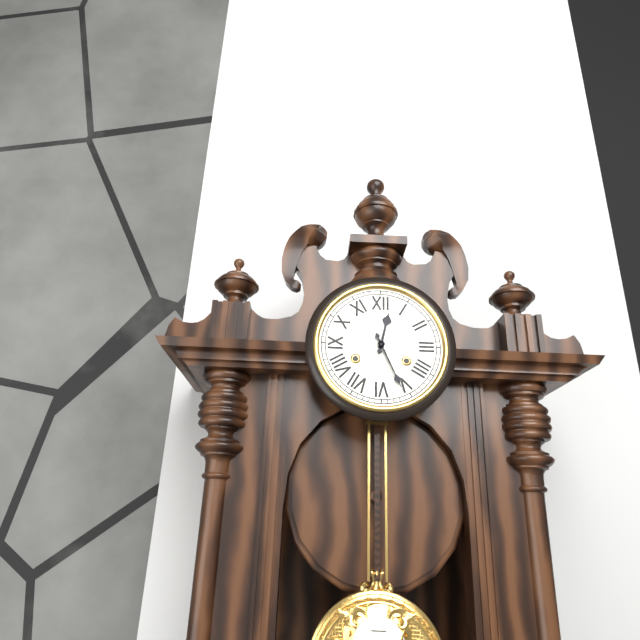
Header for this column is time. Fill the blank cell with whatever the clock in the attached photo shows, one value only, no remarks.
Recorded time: 12:26
